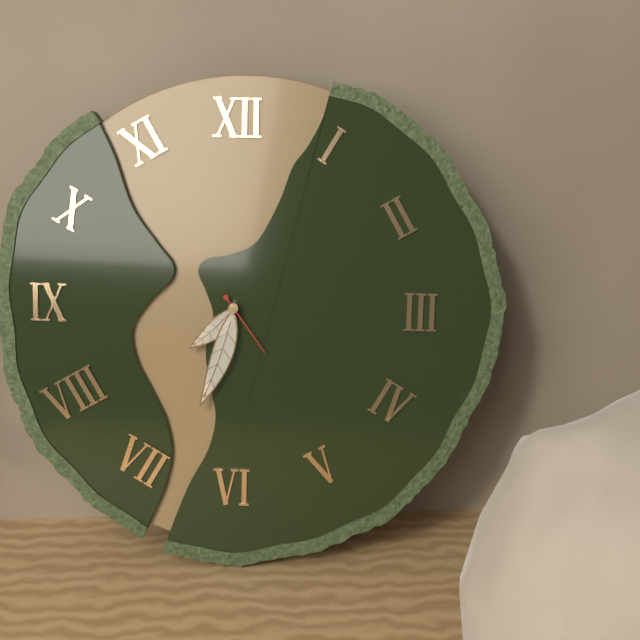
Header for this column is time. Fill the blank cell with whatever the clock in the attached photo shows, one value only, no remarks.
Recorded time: 7:33:24
